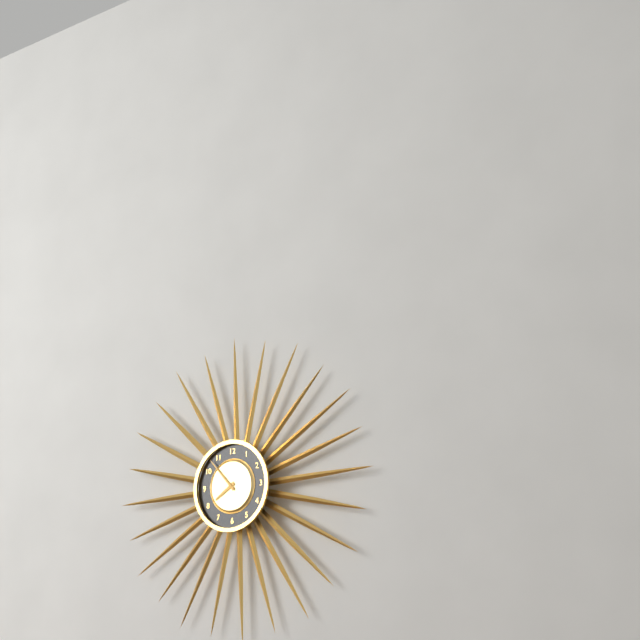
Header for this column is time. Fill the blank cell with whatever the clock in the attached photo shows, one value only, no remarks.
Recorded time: 7:53
